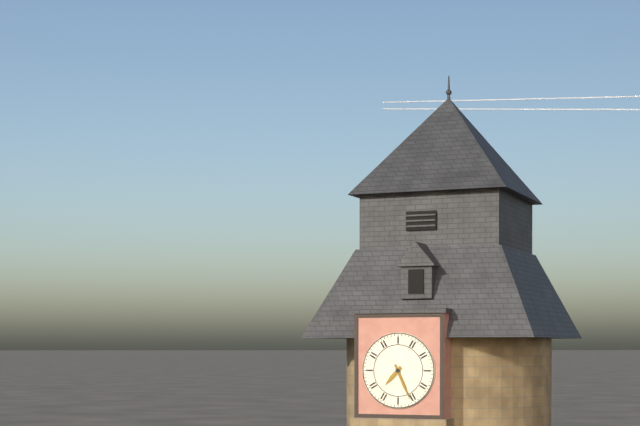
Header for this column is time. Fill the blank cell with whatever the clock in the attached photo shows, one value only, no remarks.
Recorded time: 7:26
